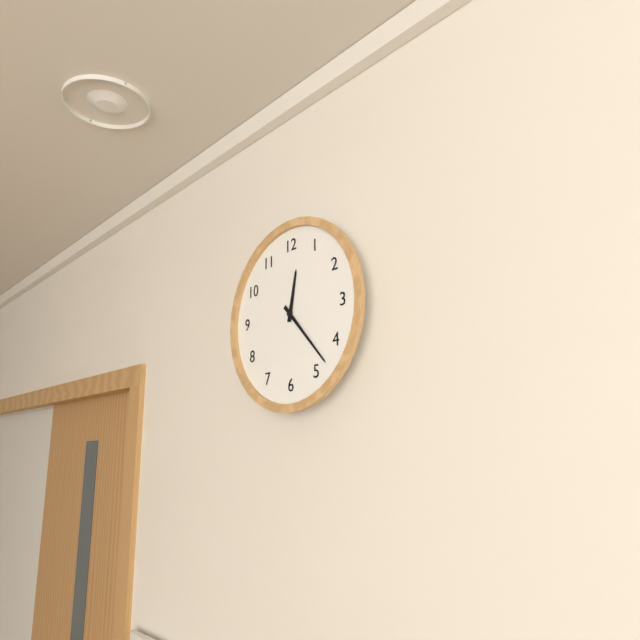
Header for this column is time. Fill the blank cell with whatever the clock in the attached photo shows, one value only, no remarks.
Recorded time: 12:23
